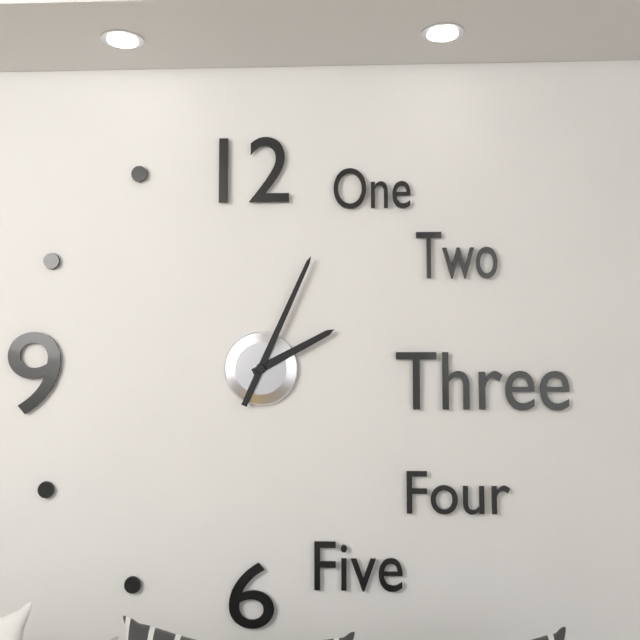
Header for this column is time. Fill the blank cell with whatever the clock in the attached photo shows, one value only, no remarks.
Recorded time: 2:04
